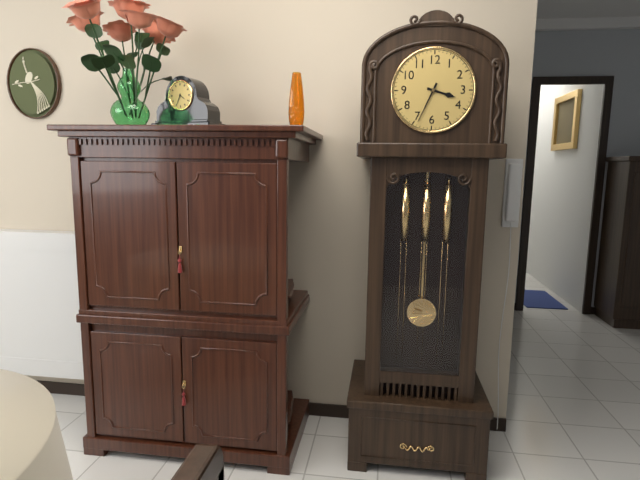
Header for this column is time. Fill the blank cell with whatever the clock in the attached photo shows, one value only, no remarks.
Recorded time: 3:34
